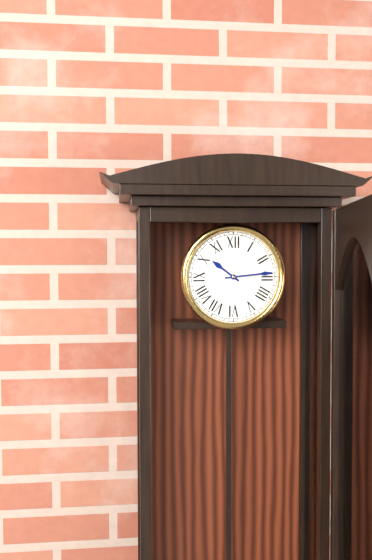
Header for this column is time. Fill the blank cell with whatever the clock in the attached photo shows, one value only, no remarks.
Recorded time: 10:14
